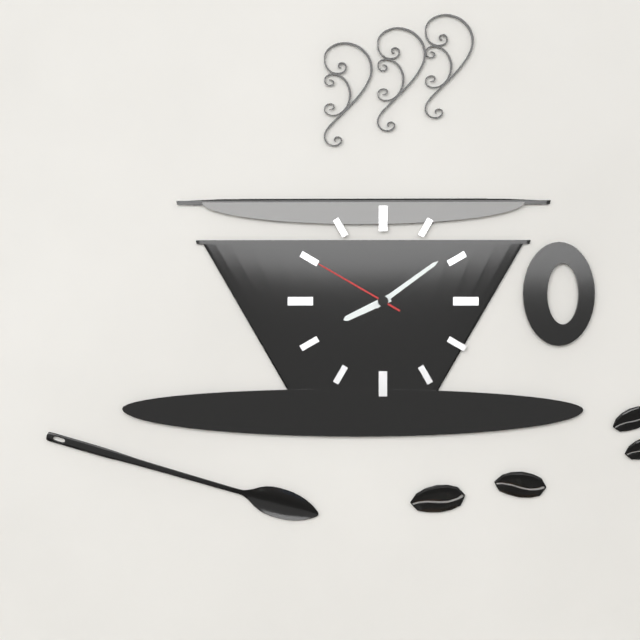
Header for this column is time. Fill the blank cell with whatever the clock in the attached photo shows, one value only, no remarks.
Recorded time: 8:09:50
